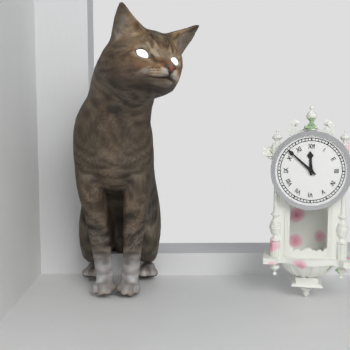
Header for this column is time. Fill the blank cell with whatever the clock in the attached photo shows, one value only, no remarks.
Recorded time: 11:52
